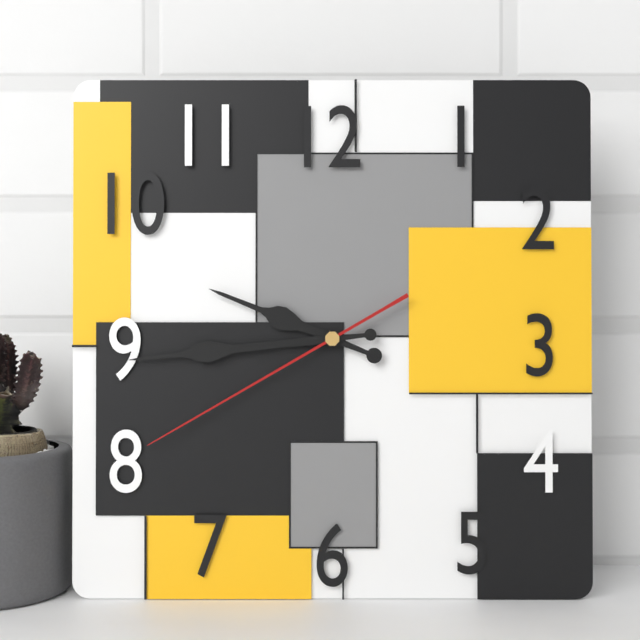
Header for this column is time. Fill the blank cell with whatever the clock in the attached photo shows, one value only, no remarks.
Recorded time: 9:44:40
